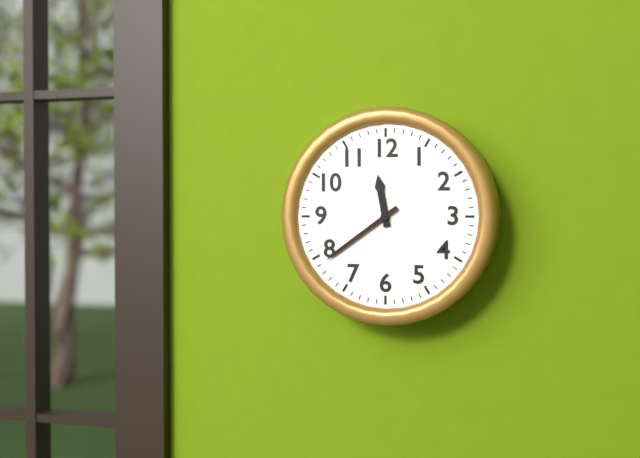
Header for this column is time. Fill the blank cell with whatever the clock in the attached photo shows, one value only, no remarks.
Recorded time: 11:39
